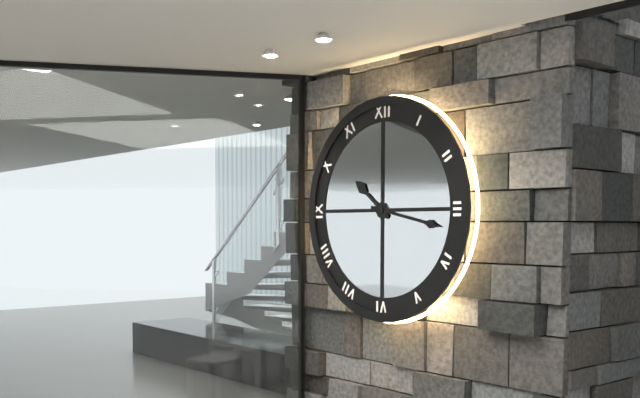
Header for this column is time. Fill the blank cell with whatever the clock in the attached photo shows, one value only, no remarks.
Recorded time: 10:17
